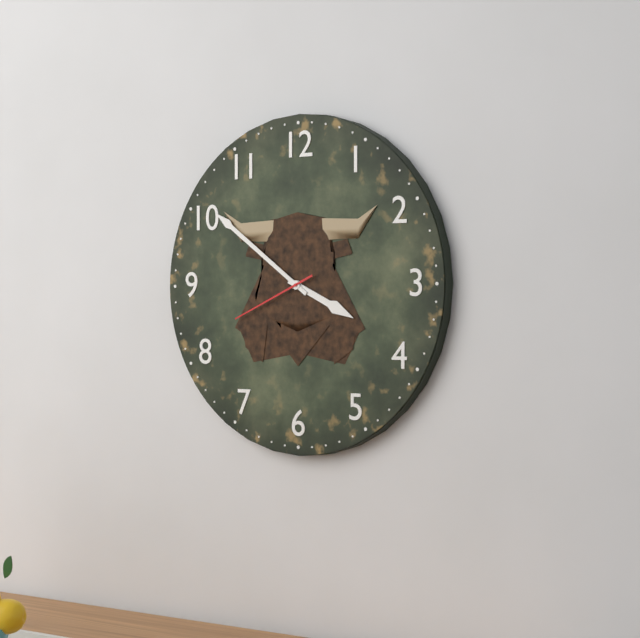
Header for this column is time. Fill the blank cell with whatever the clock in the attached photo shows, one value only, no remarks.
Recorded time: 3:51:41
